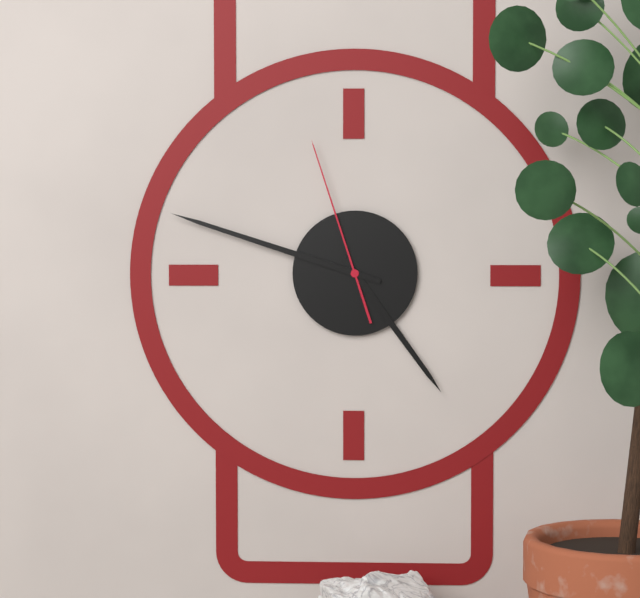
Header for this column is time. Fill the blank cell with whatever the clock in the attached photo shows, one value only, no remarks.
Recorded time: 4:48:57
